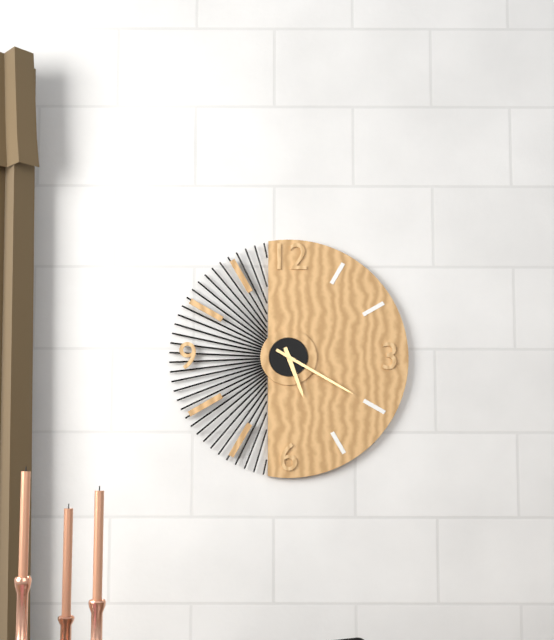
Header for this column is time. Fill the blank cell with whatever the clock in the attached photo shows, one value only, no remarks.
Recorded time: 5:20
